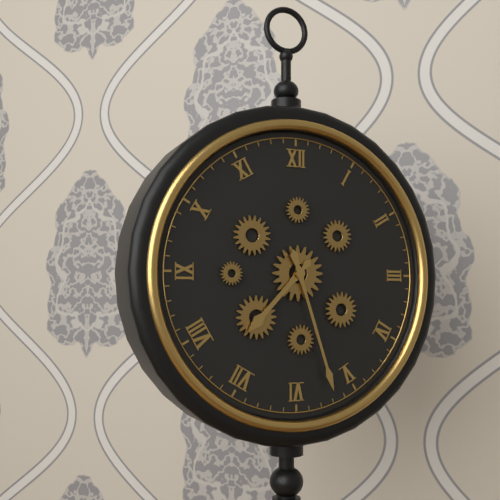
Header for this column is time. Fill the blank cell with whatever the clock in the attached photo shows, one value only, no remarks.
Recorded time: 7:27
